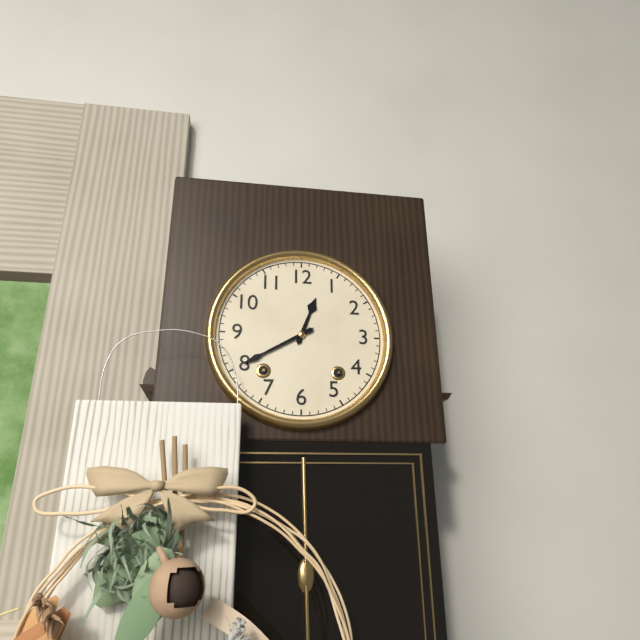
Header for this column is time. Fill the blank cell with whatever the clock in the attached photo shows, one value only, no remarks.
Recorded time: 12:40
